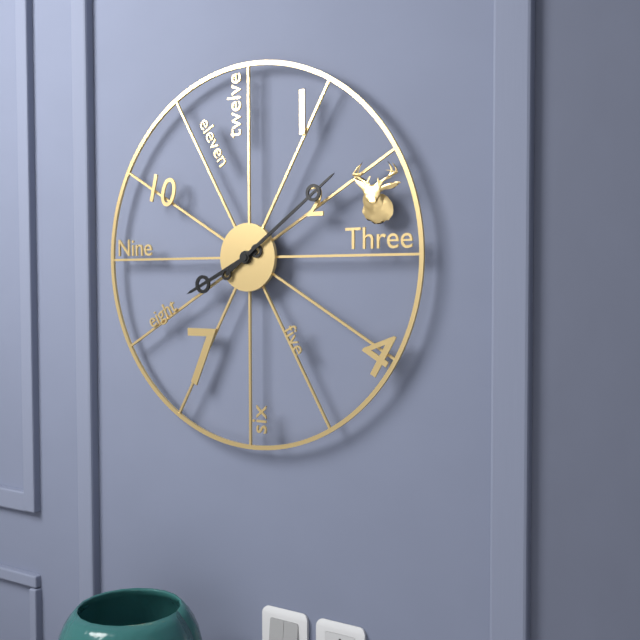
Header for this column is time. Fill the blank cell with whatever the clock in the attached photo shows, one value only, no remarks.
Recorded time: 8:09
